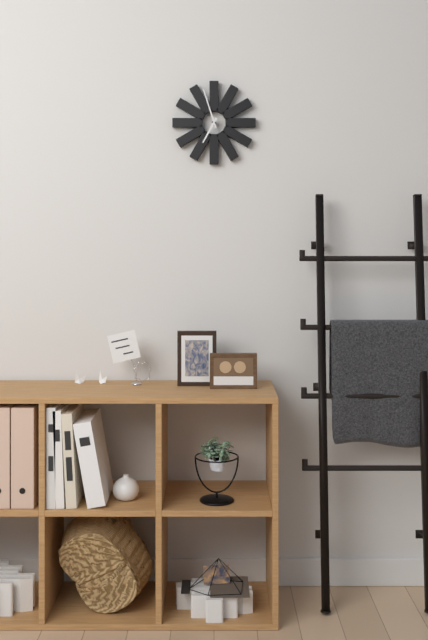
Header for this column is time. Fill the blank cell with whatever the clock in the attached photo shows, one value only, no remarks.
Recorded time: 6:57
